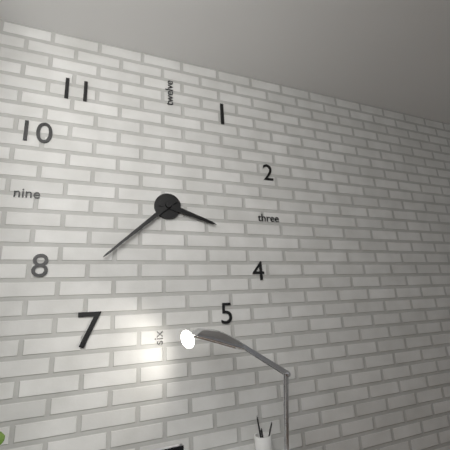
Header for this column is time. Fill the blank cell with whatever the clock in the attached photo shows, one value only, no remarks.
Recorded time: 3:38
